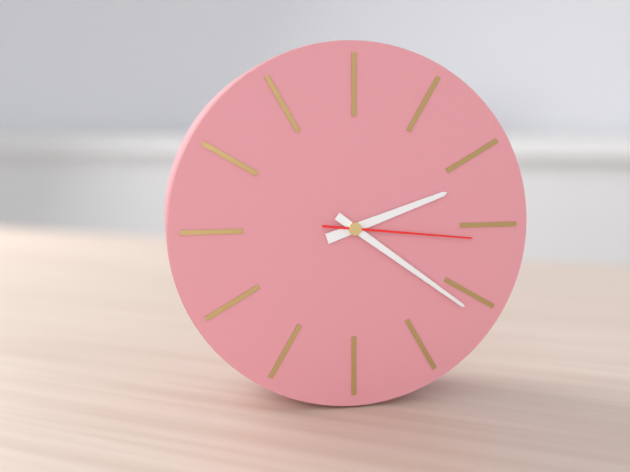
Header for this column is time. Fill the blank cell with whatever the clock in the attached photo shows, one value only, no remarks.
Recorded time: 2:21:16
